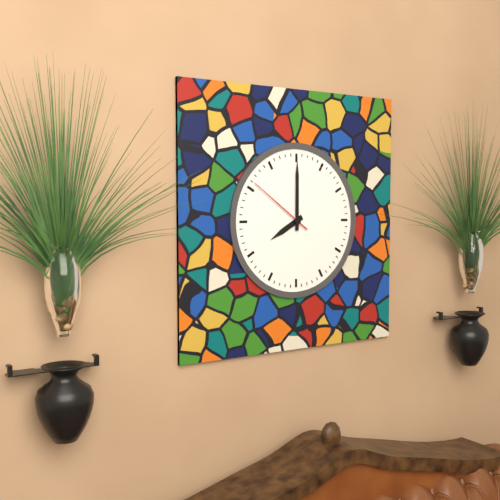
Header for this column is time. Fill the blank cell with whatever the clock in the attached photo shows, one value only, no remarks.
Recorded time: 8:00:51
